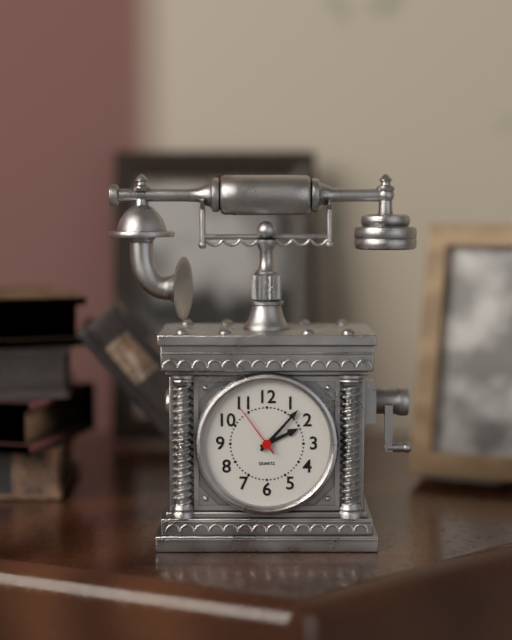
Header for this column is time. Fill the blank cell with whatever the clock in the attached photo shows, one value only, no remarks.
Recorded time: 2:07:54
